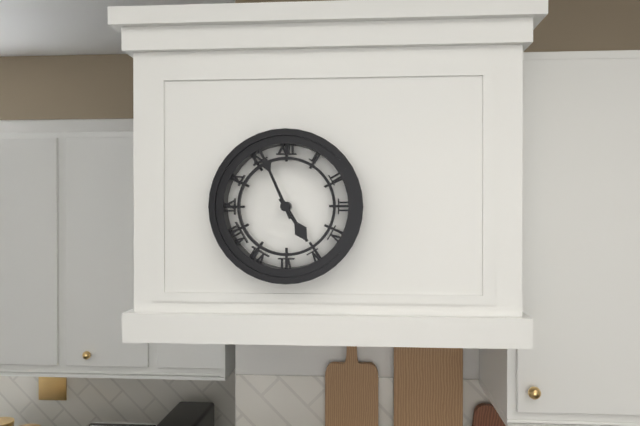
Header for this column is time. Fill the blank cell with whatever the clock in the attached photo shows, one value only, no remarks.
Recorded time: 4:56
